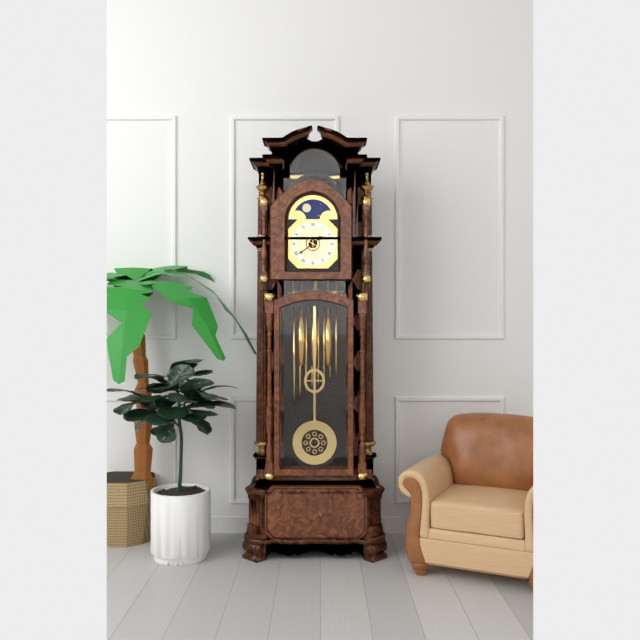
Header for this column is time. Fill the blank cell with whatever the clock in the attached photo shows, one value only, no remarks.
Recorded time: 1:39
